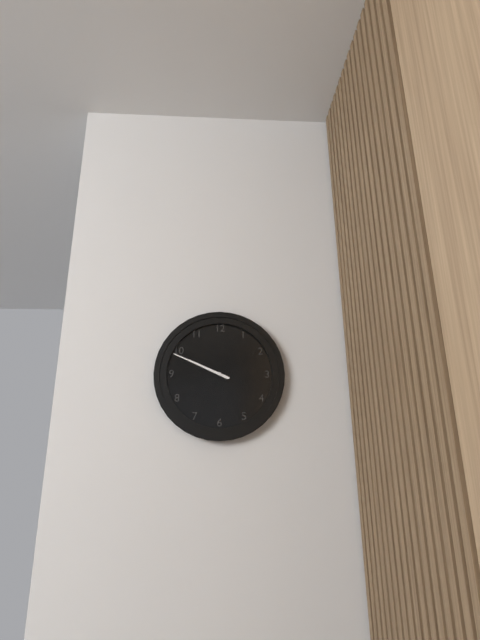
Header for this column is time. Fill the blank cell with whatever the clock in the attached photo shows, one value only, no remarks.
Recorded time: 9:49
